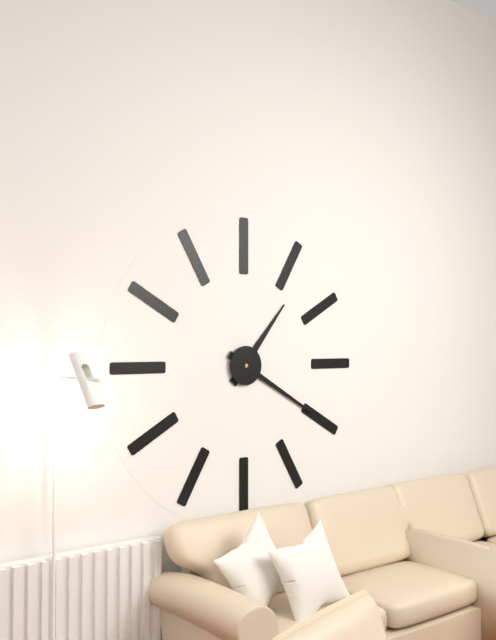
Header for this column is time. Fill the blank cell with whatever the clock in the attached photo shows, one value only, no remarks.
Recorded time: 1:20
